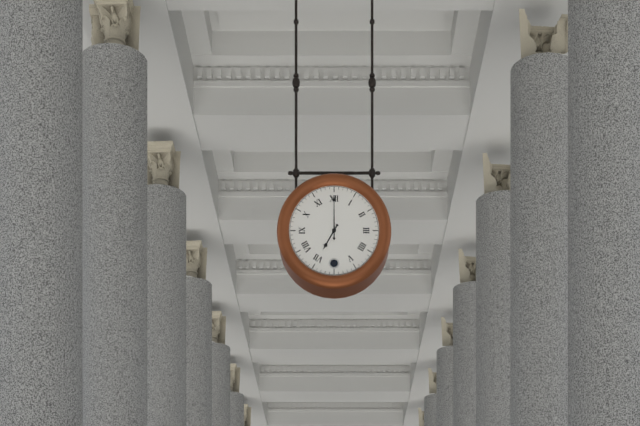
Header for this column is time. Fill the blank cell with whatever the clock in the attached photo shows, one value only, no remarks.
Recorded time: 7:00
